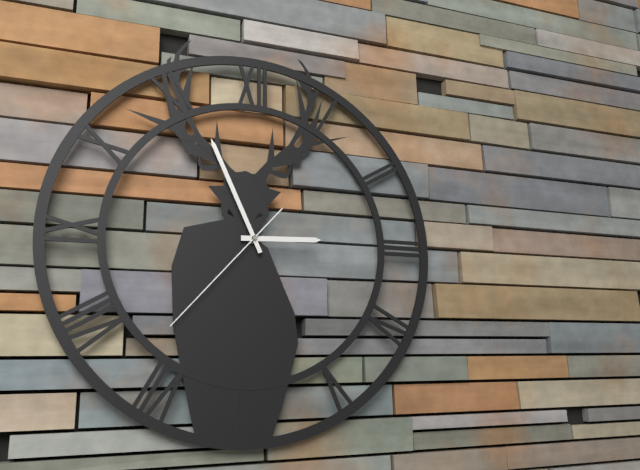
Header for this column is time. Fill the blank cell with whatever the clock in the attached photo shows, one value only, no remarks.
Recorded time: 2:56:37
